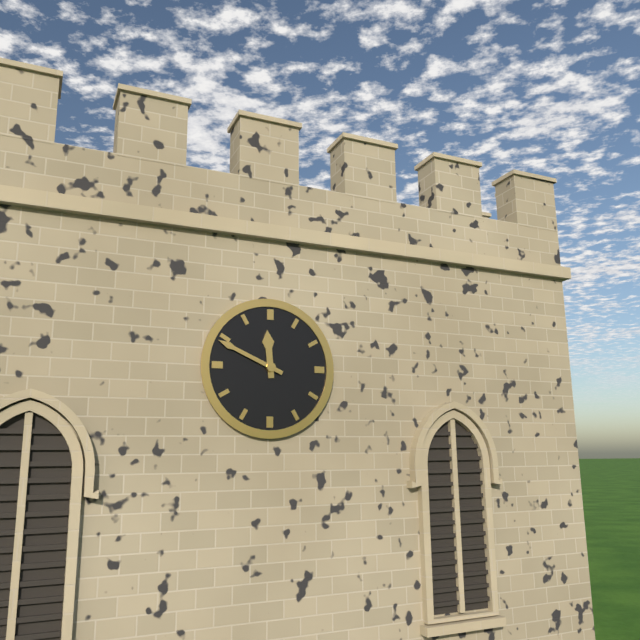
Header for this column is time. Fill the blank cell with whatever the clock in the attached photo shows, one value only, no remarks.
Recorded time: 11:49
